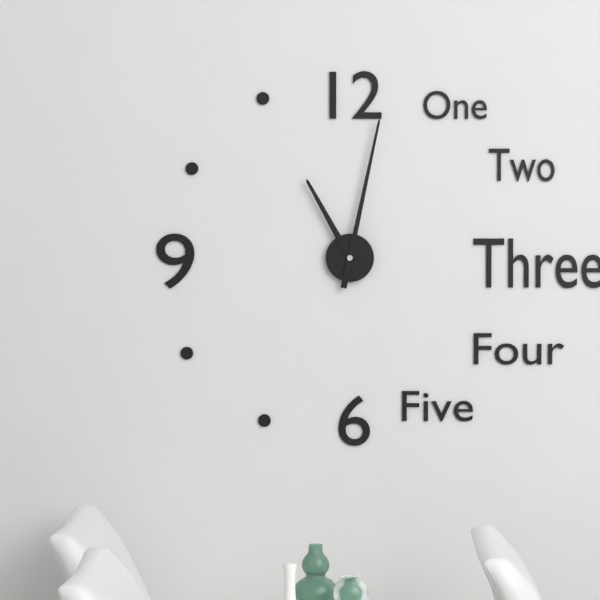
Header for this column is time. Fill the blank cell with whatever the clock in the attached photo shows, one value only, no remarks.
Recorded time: 11:02
